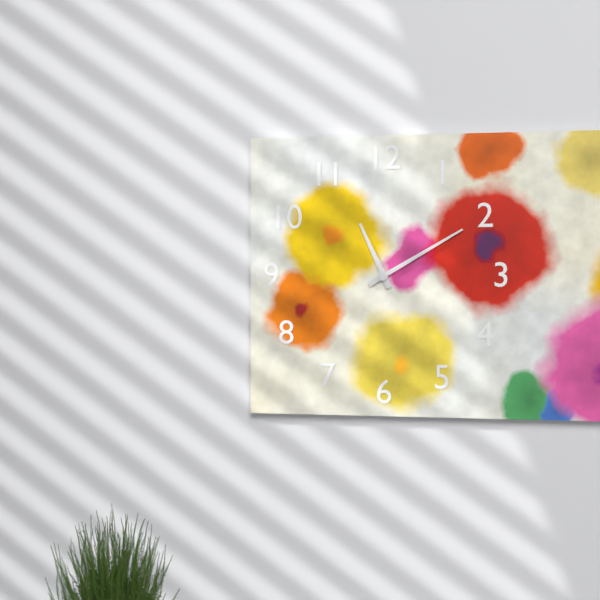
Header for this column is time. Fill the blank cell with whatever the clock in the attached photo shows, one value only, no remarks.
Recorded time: 11:10
